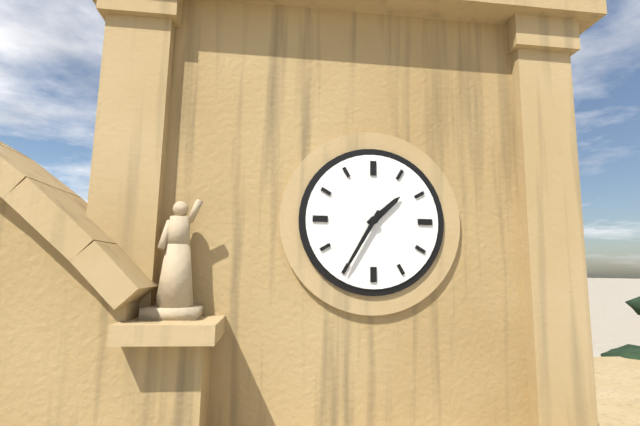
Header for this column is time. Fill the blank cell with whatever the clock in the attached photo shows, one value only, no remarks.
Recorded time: 1:35
